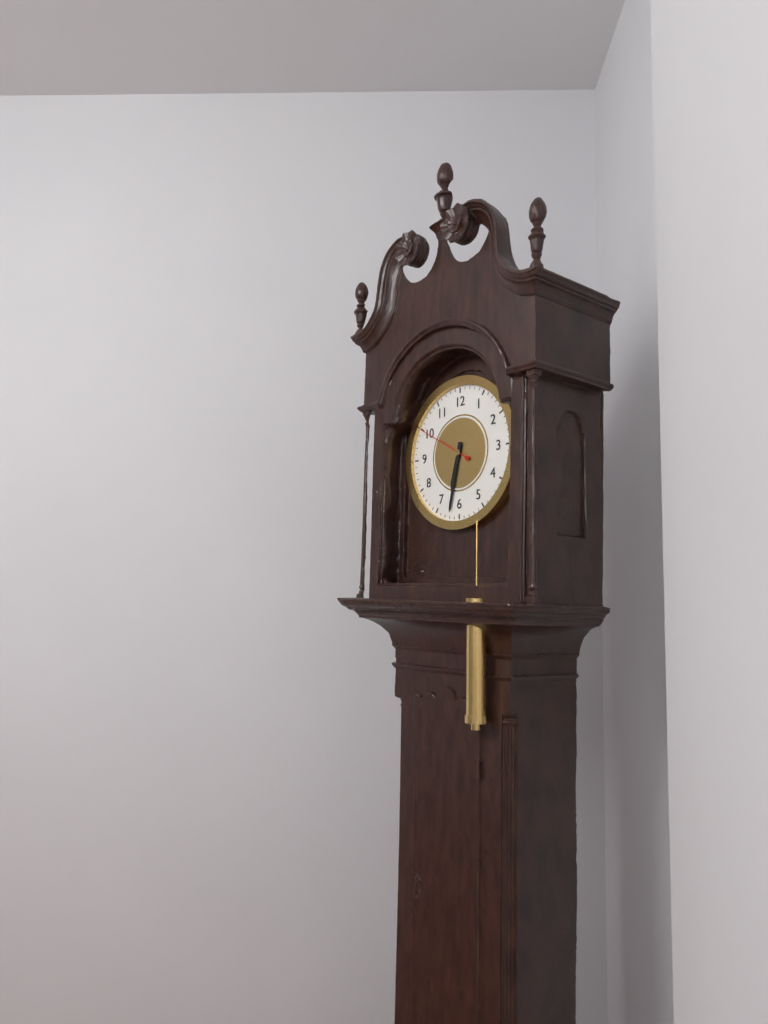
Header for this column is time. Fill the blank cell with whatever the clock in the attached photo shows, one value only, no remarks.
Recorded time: 6:32:50
